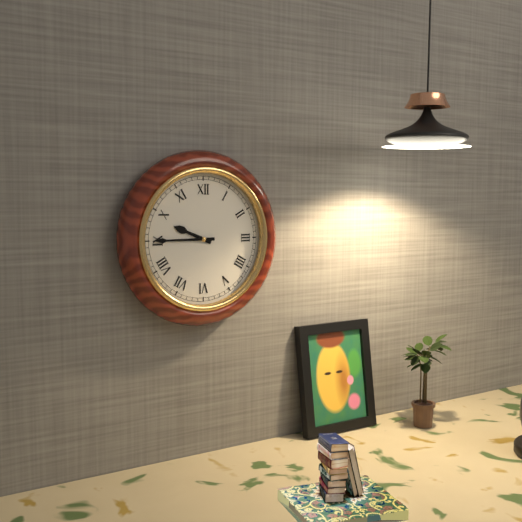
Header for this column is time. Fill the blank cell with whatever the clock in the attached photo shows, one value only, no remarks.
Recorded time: 9:45
